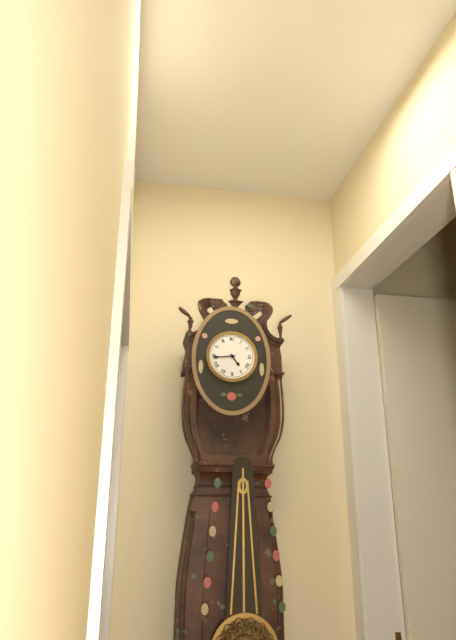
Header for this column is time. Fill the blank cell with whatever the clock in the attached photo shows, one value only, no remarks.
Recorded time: 4:44
